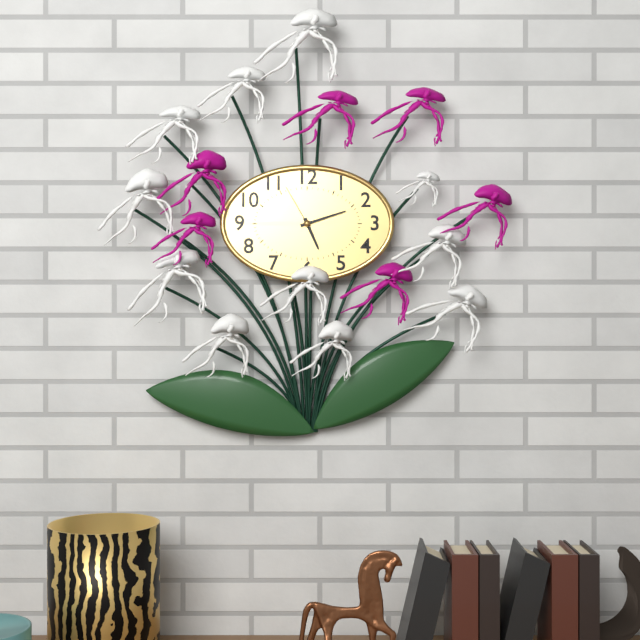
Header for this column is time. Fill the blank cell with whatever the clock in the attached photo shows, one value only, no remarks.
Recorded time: 5:12:55
